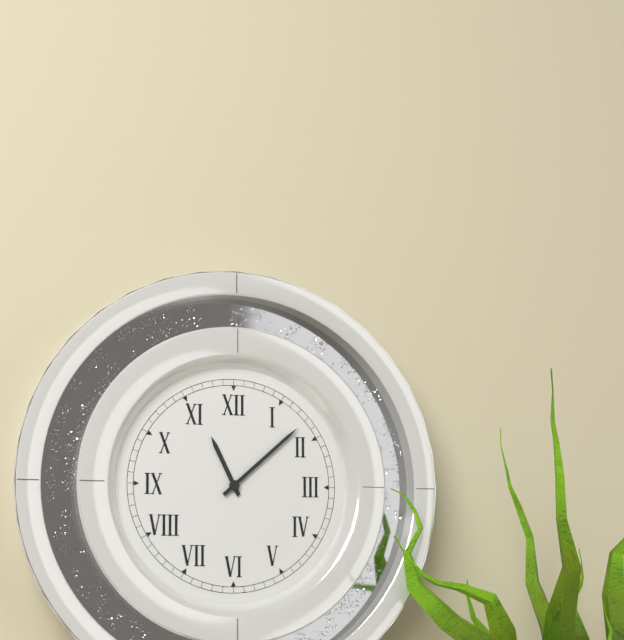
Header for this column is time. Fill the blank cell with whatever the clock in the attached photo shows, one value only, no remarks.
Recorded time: 11:08
